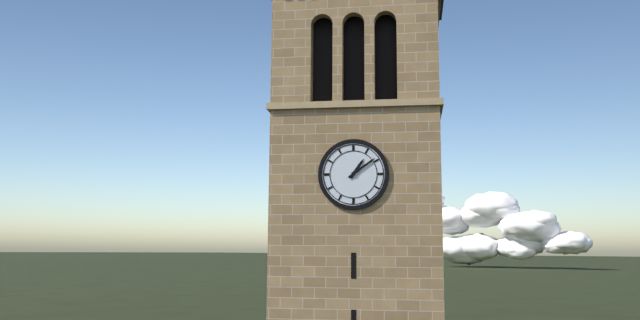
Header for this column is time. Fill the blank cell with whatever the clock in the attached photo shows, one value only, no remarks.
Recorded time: 1:09
